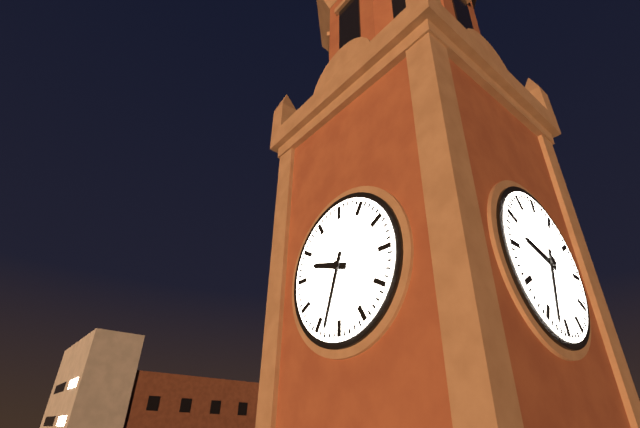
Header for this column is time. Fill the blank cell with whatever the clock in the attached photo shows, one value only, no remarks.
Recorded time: 9:33
